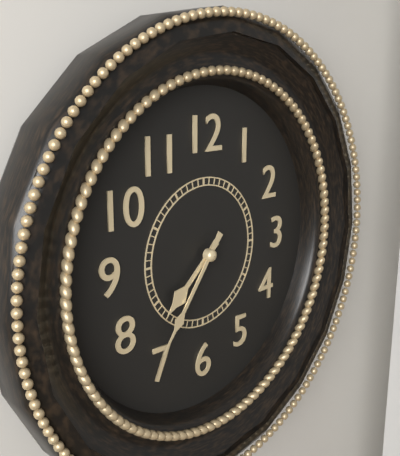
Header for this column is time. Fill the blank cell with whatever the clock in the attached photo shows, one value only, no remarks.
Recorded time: 7:36
